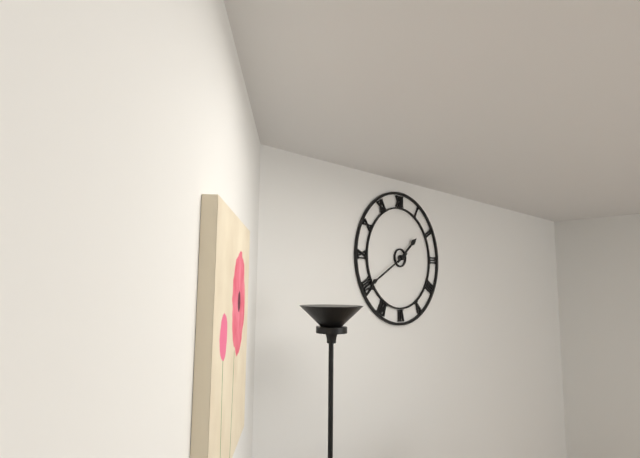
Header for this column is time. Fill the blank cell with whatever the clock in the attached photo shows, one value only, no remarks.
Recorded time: 1:40
